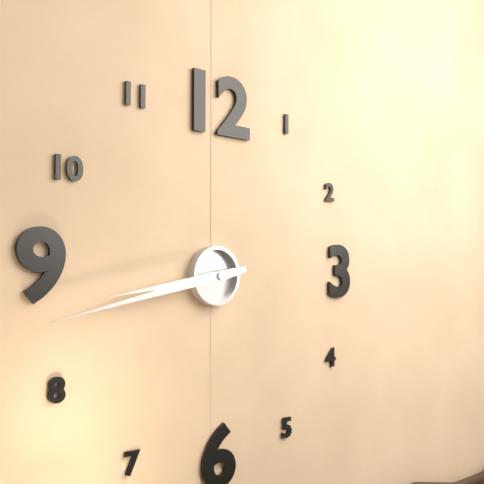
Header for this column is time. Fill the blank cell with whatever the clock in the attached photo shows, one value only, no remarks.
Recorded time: 8:43
